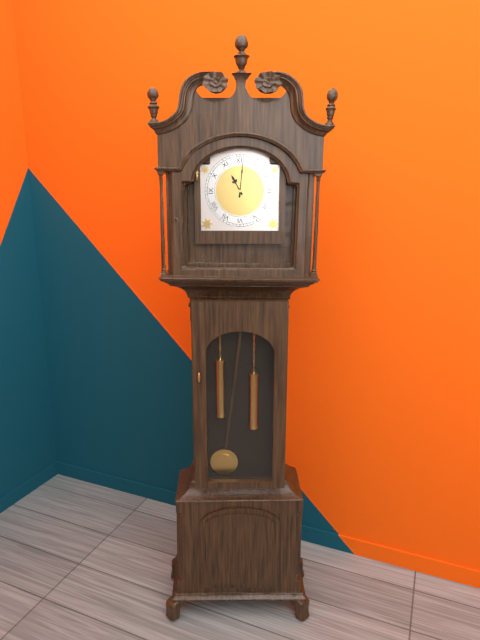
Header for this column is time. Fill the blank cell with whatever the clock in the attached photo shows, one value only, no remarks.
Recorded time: 11:01
